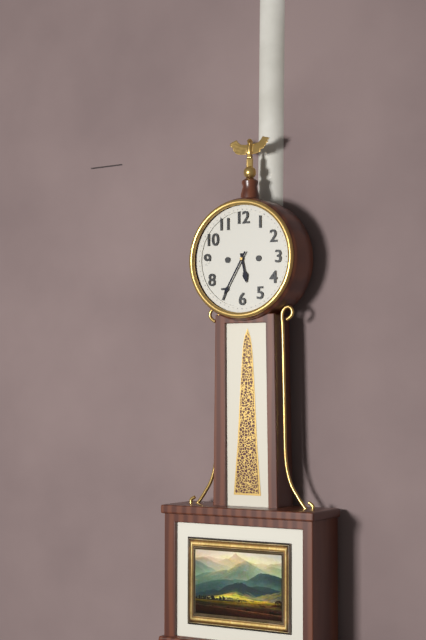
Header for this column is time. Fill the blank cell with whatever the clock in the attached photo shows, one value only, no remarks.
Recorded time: 5:35
